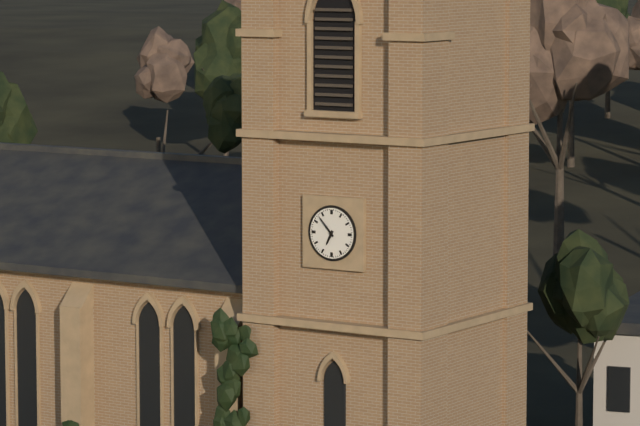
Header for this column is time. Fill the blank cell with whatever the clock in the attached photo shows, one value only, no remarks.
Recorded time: 6:53
